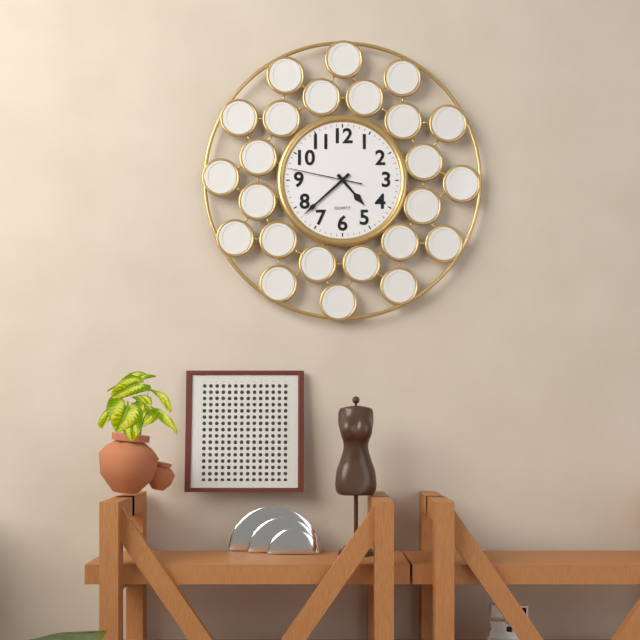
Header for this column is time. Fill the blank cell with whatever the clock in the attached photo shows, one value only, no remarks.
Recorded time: 4:38:47
